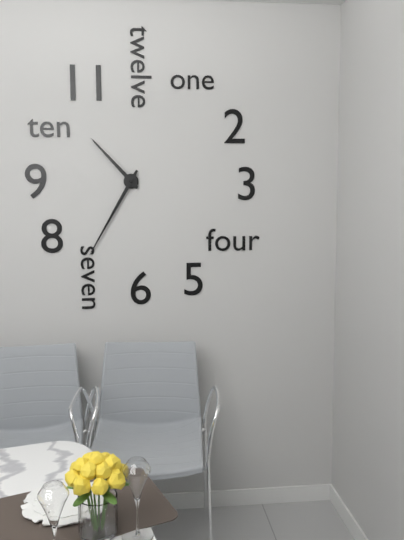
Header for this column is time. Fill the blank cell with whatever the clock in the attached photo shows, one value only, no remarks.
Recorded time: 10:35
